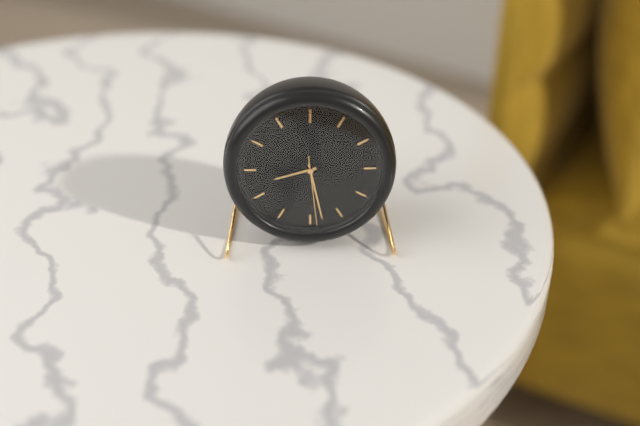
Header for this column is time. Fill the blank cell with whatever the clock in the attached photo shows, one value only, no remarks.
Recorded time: 8:28:29
